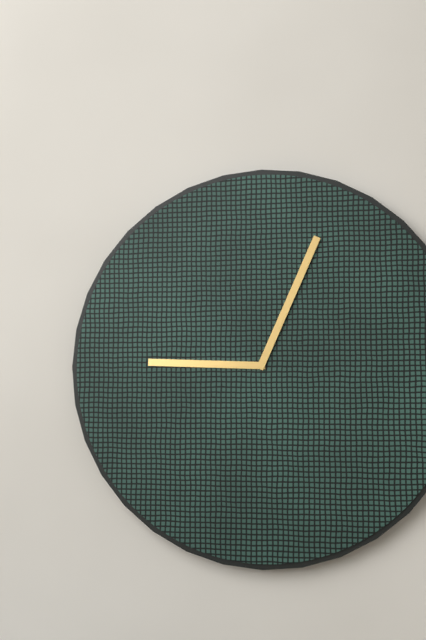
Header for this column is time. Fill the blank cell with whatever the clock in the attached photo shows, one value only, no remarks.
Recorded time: 9:04
